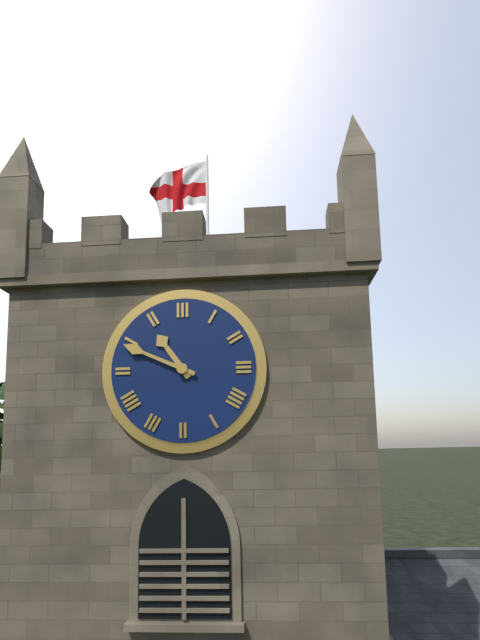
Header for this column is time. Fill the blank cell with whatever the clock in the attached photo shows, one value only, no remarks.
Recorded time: 10:49
